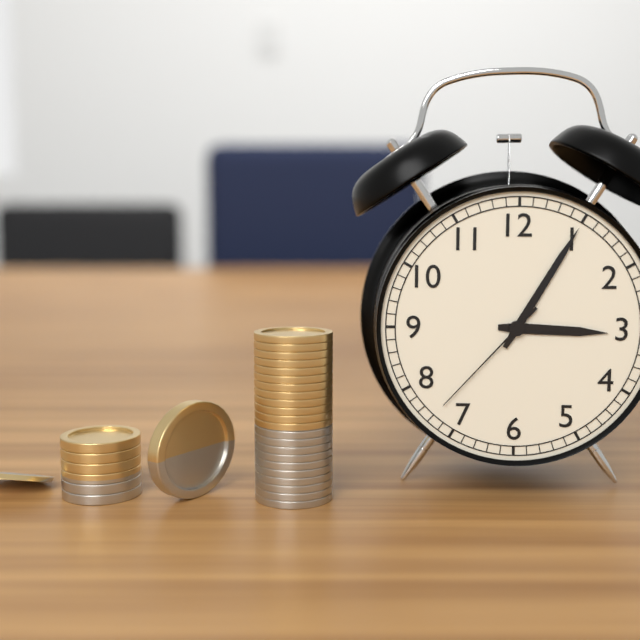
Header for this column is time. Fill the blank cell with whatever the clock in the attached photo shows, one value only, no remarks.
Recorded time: 3:05:37
